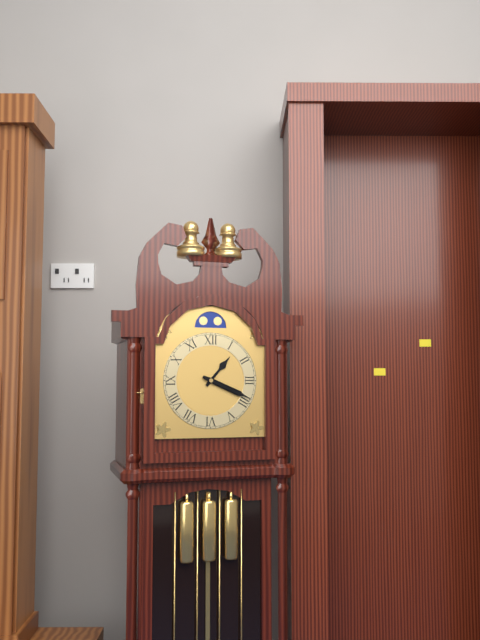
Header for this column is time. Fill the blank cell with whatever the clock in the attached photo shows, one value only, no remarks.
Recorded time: 1:19
